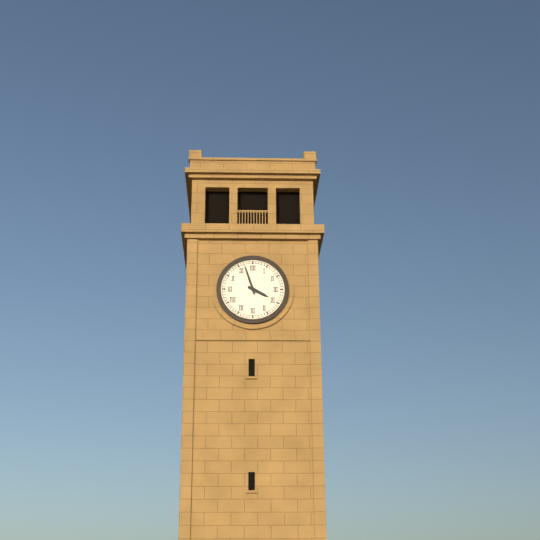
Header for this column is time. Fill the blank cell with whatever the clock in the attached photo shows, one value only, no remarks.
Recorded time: 3:57
